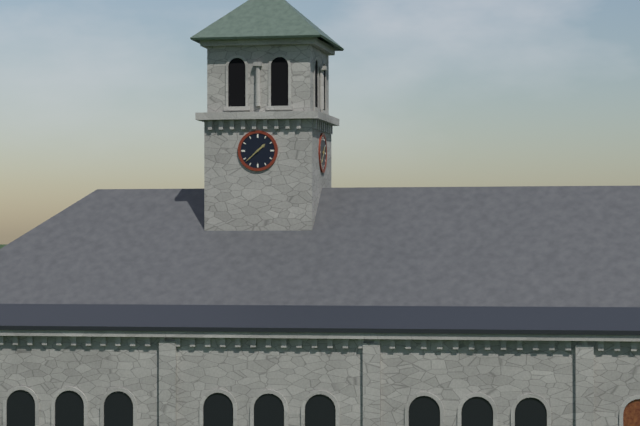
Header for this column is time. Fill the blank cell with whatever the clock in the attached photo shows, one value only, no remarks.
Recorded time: 1:38
